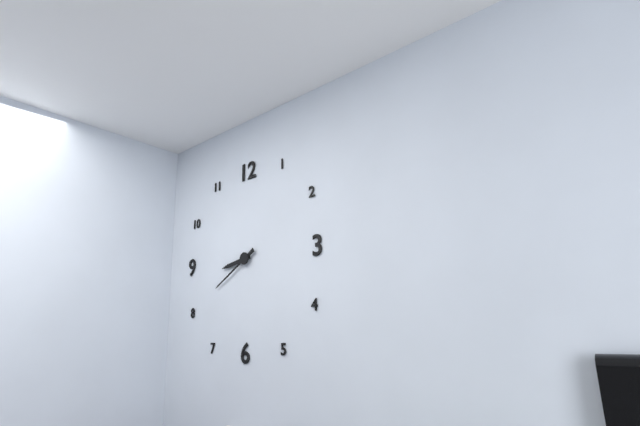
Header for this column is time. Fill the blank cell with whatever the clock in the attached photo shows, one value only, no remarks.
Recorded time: 8:40
